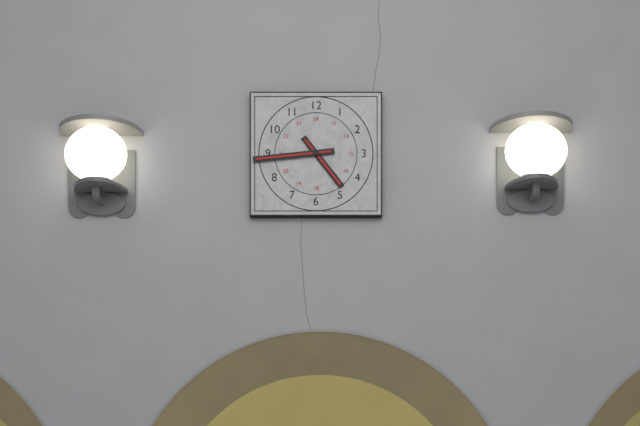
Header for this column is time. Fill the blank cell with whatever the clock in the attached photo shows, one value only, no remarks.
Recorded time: 4:44
